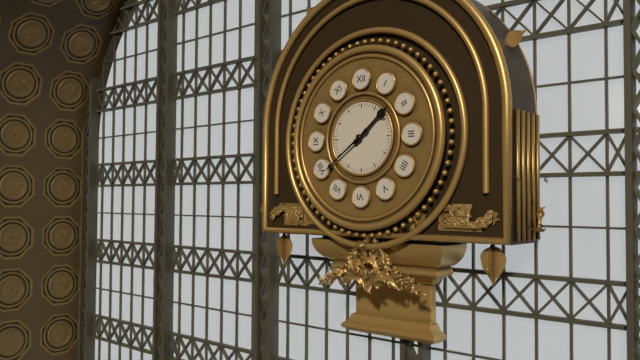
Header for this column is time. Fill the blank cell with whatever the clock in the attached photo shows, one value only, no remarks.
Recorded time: 1:39
